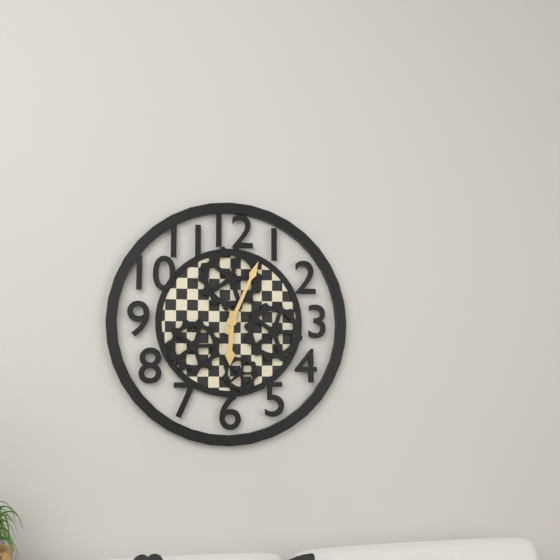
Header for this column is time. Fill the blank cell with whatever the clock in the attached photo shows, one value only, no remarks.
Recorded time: 6:04
